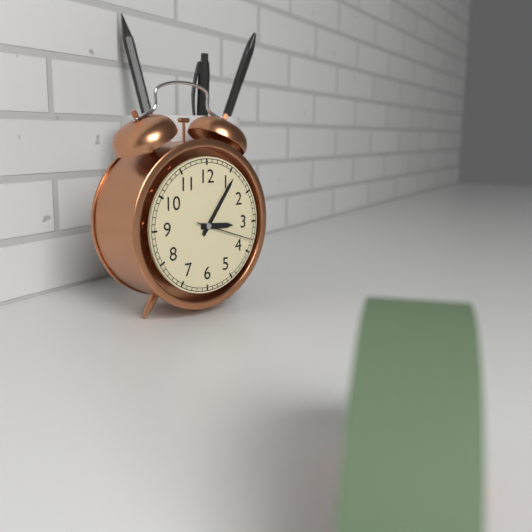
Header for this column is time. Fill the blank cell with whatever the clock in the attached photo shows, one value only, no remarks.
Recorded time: 3:06:18
